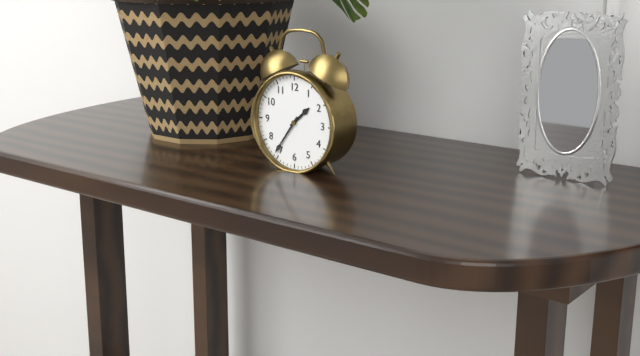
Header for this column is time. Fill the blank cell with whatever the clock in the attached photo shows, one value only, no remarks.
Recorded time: 1:36
